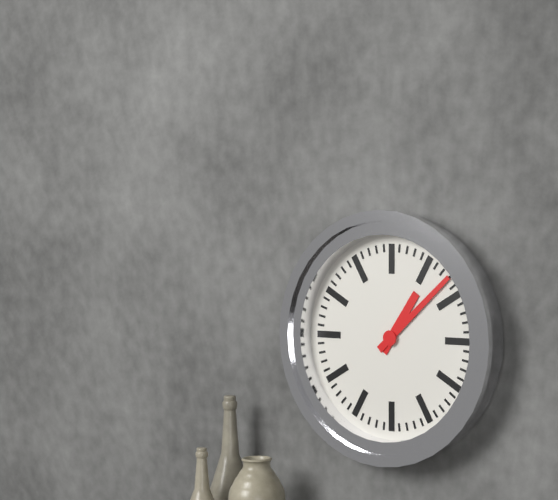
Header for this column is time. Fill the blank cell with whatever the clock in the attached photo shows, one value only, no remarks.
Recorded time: 1:08
